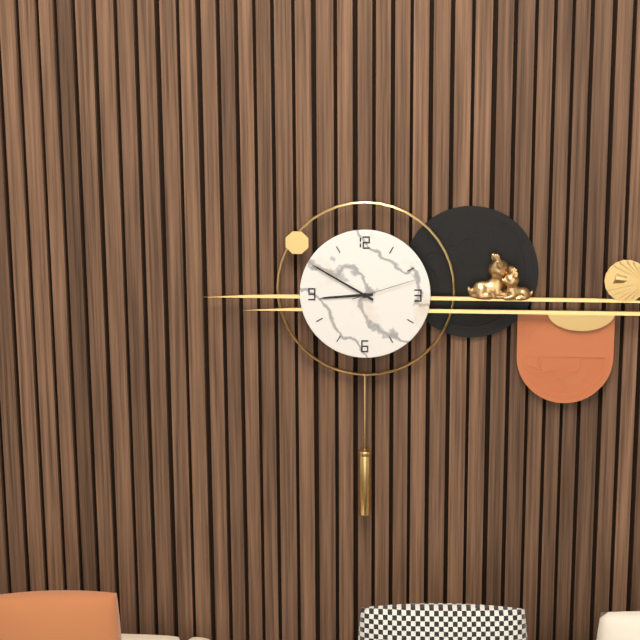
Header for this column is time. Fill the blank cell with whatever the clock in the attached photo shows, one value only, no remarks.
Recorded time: 8:50:12
